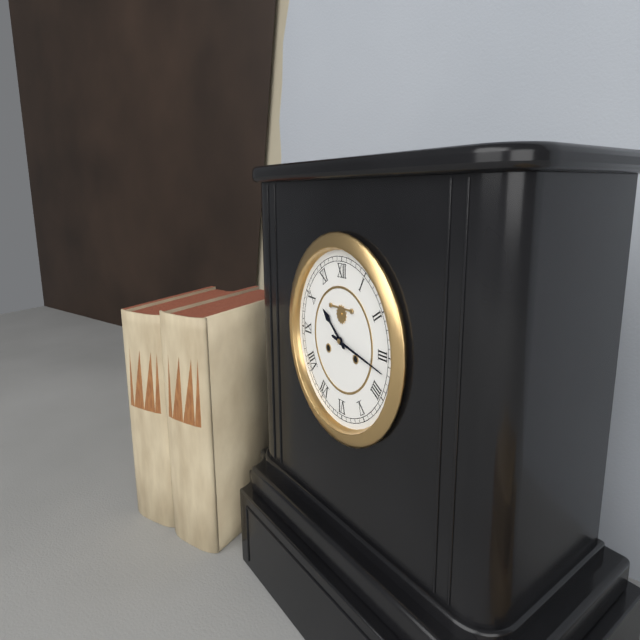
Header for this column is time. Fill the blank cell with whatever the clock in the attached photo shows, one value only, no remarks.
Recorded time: 10:17
